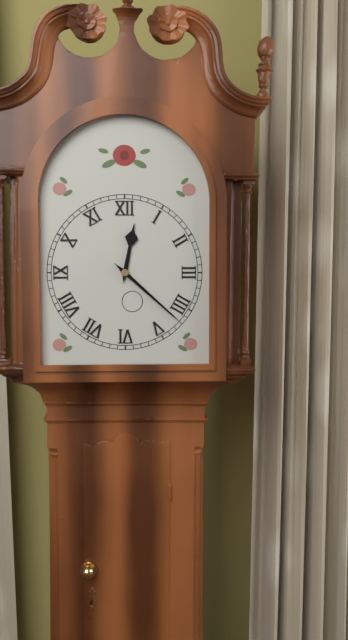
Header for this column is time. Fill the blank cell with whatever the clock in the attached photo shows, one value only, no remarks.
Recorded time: 12:22
